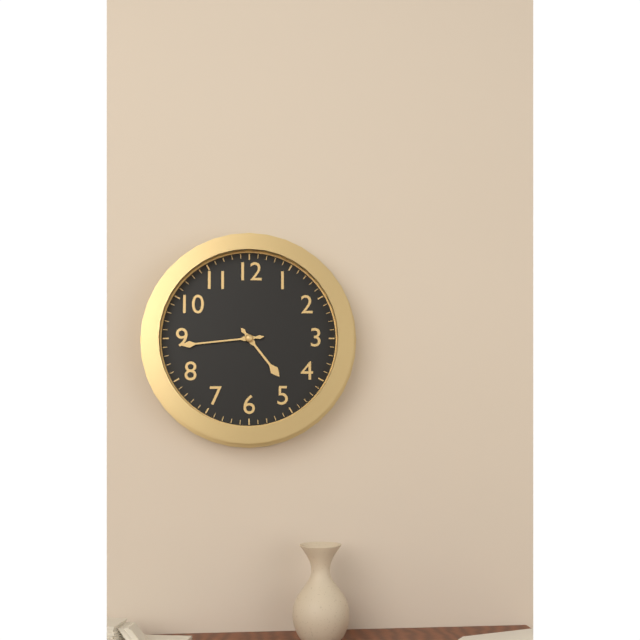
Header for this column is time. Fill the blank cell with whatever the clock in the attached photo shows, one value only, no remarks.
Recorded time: 4:44
